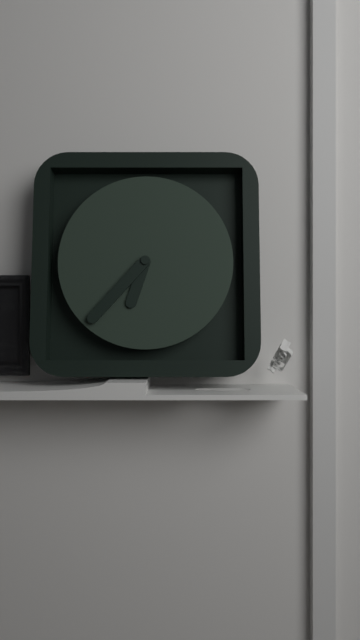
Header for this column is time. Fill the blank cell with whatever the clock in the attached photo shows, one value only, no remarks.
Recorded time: 6:37
